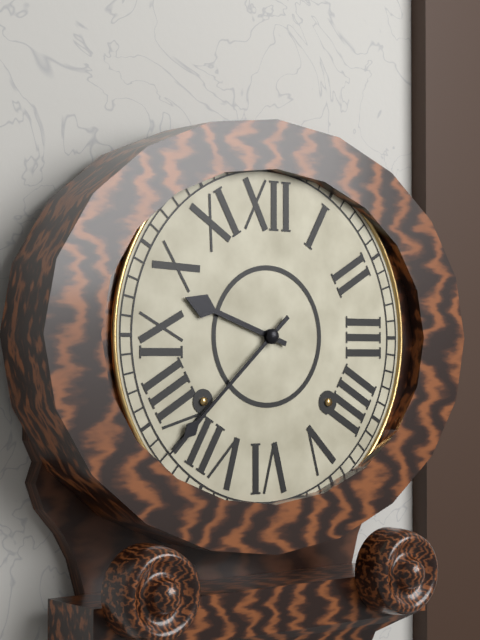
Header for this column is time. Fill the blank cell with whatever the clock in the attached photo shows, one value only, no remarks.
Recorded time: 9:38
